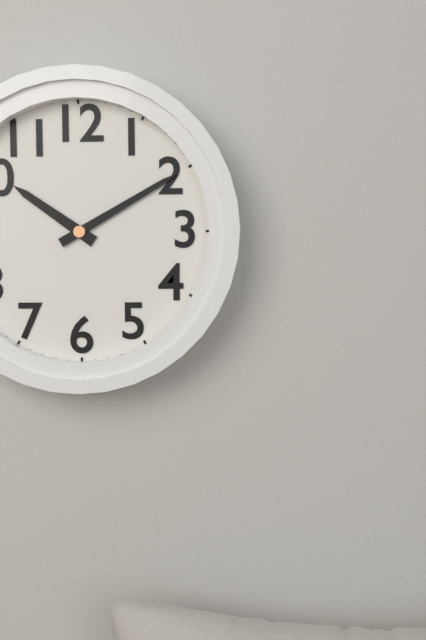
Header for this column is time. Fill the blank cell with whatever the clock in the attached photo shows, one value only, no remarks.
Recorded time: 10:10
